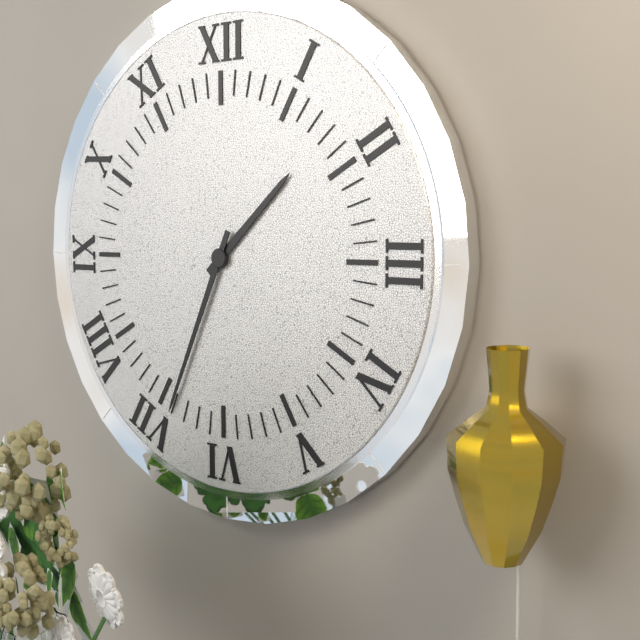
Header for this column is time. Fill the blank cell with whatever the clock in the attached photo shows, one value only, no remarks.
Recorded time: 1:34
